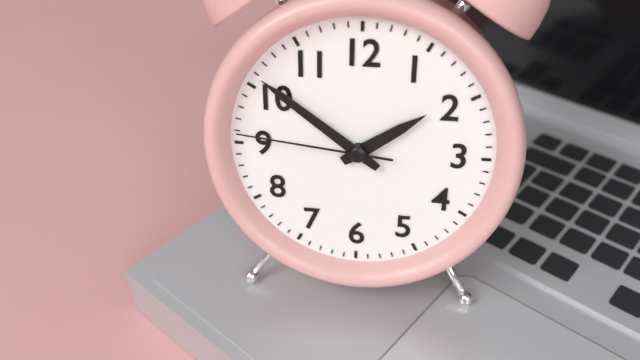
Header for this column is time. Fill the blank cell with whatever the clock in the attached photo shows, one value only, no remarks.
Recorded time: 1:51:46
